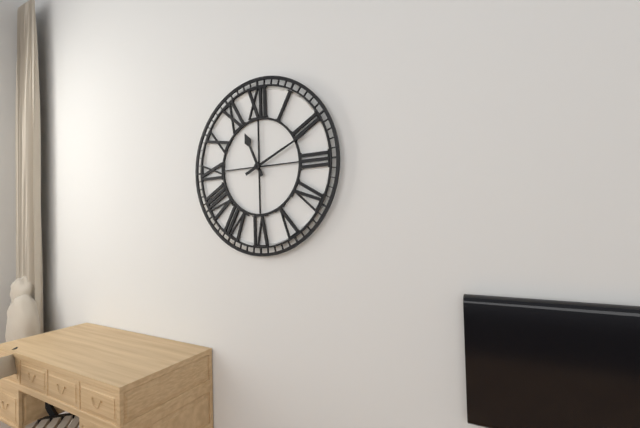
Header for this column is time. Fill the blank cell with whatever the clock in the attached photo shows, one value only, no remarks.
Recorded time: 11:11
